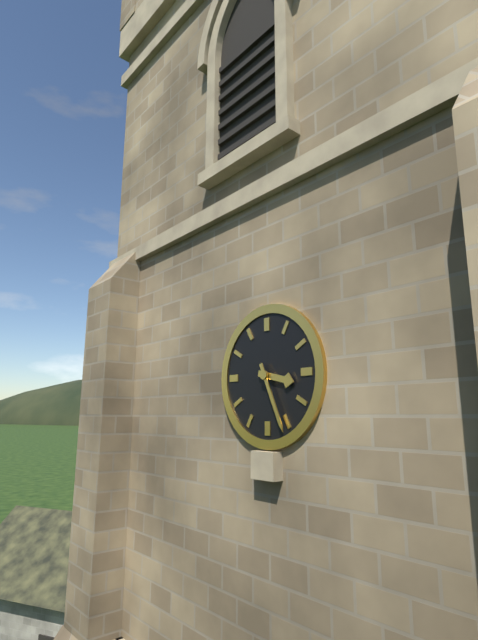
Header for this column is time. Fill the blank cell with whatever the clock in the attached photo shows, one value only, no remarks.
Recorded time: 3:26
